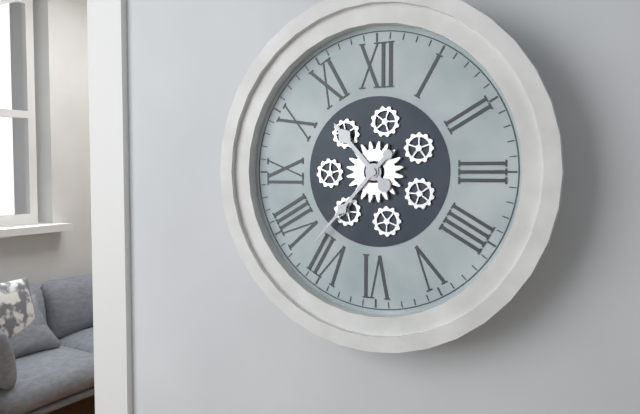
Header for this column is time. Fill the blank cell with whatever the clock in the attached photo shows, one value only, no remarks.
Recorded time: 10:37
